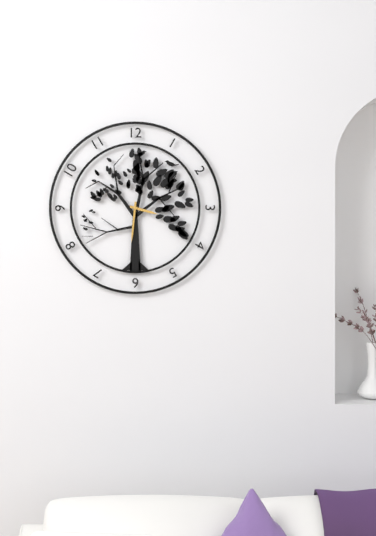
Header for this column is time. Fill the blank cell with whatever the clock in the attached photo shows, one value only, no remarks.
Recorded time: 3:31
